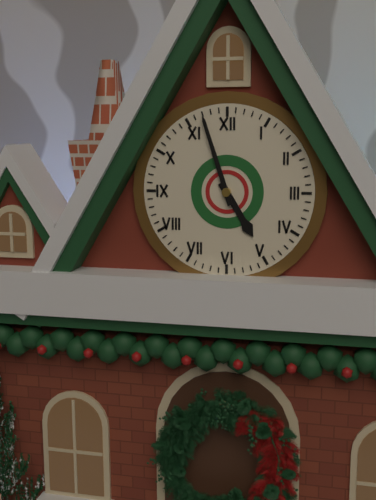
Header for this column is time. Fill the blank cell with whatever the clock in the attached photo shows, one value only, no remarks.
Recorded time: 4:57
